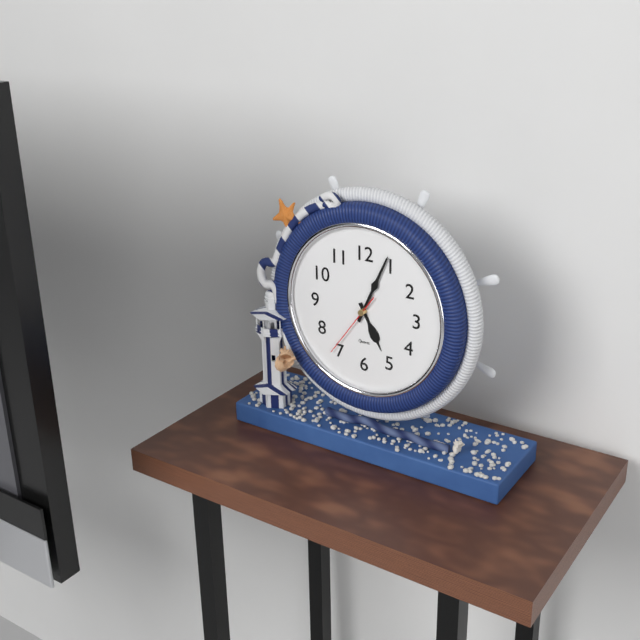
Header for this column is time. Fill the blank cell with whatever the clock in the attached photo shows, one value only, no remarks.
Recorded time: 5:04:36
